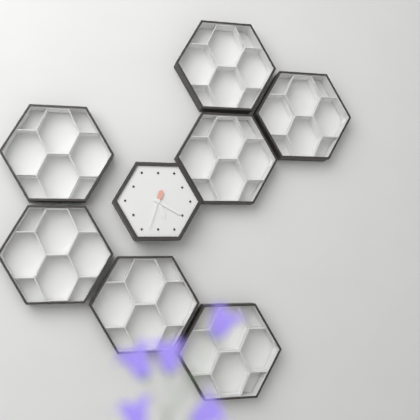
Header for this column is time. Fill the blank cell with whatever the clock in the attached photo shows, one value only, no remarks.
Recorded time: 5:20
